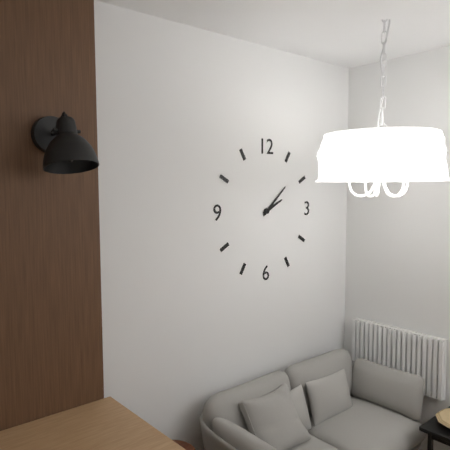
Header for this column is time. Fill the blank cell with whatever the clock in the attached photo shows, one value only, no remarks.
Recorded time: 2:08
